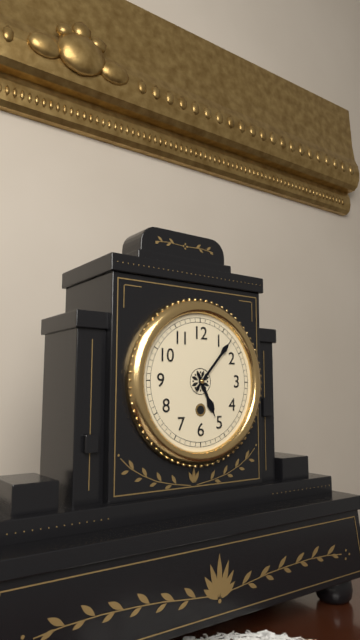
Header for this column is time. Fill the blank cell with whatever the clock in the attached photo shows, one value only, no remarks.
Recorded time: 5:07
